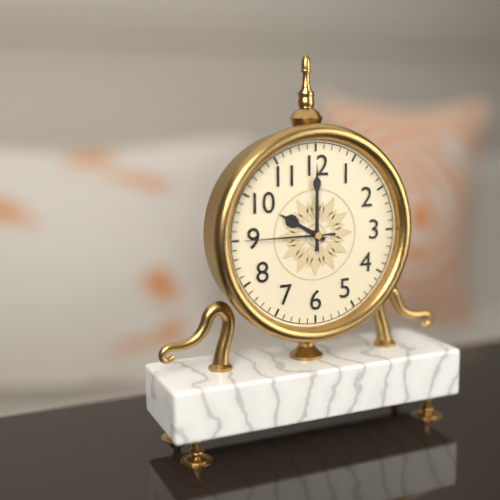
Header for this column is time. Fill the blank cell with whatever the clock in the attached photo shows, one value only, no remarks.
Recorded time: 10:00:45
